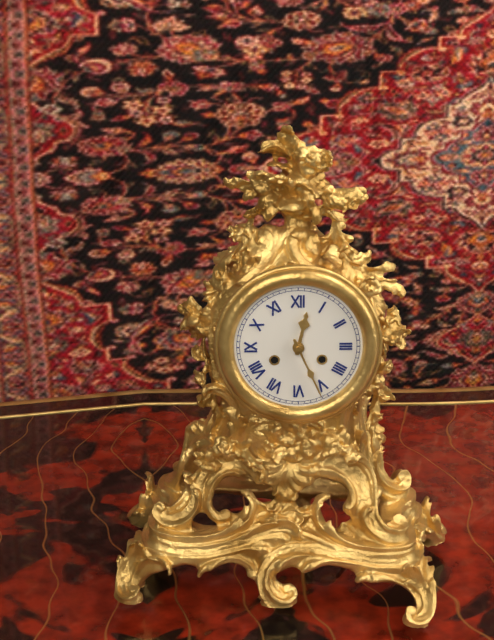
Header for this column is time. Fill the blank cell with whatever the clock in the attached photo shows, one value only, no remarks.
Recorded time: 12:26
